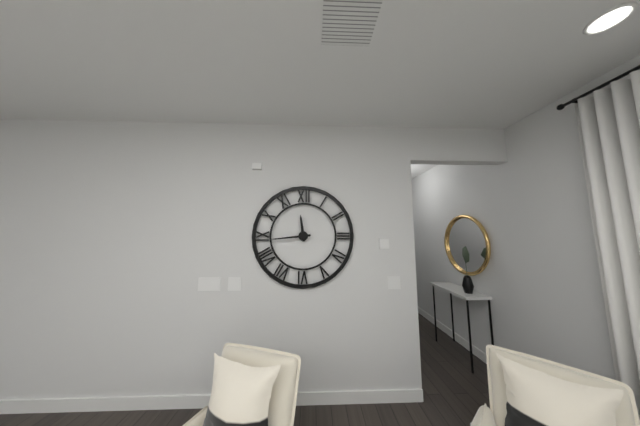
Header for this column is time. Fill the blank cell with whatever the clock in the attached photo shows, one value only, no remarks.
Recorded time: 11:44
